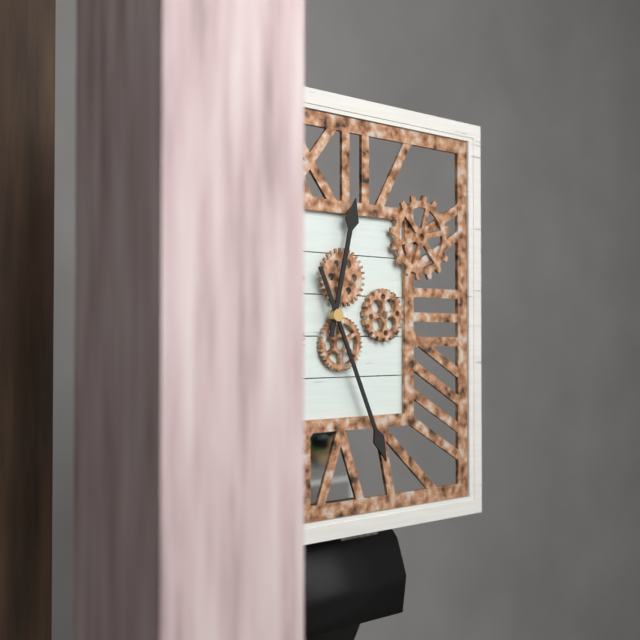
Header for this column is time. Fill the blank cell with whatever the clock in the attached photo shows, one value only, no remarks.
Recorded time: 12:26
